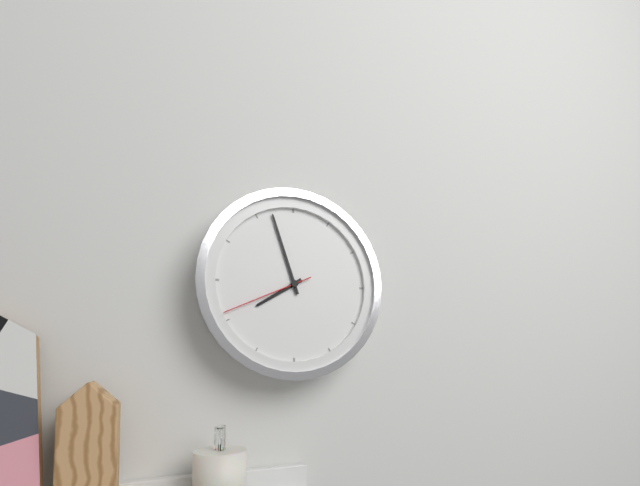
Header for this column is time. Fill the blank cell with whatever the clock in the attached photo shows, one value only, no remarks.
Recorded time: 7:57:41
